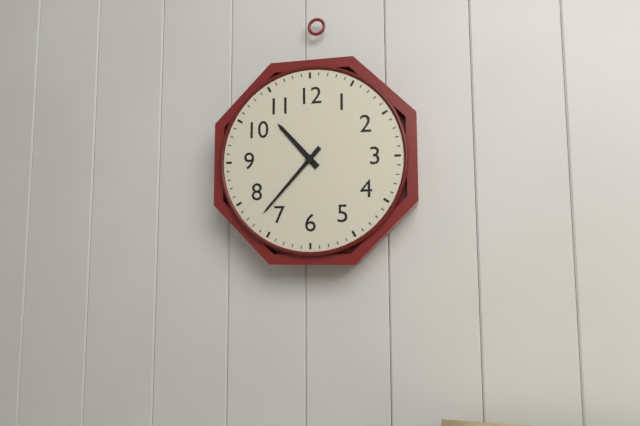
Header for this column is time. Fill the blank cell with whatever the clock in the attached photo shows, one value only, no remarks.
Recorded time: 10:37
